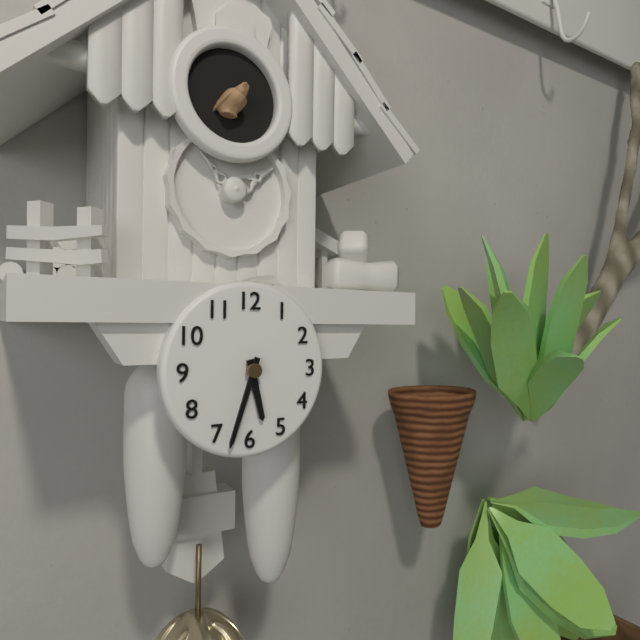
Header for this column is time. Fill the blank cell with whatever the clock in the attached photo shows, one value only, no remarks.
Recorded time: 5:33
